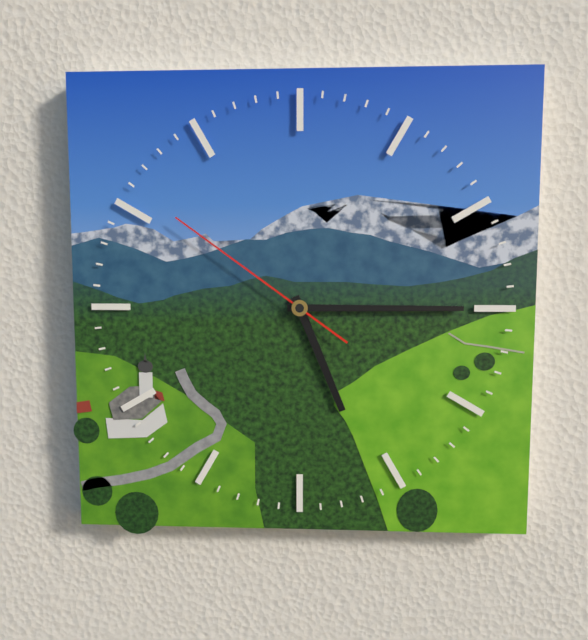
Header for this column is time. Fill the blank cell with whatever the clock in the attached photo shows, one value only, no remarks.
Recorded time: 5:15:51
